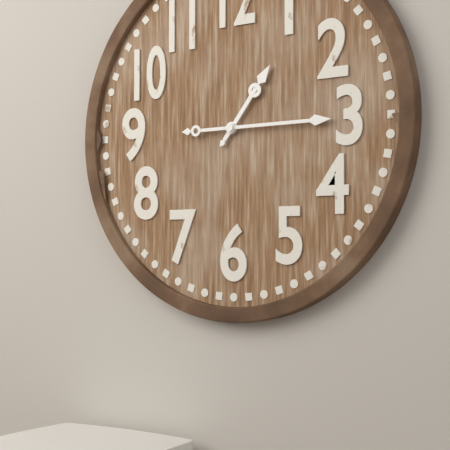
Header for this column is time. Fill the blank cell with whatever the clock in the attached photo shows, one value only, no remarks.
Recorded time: 1:15
